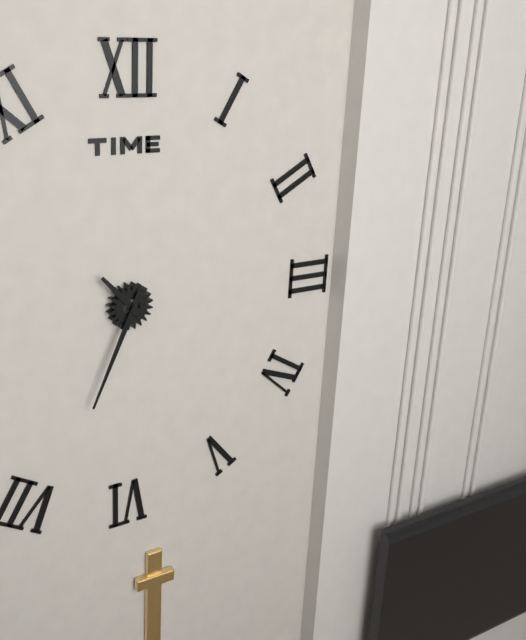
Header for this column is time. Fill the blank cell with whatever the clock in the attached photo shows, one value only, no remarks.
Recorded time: 10:34
